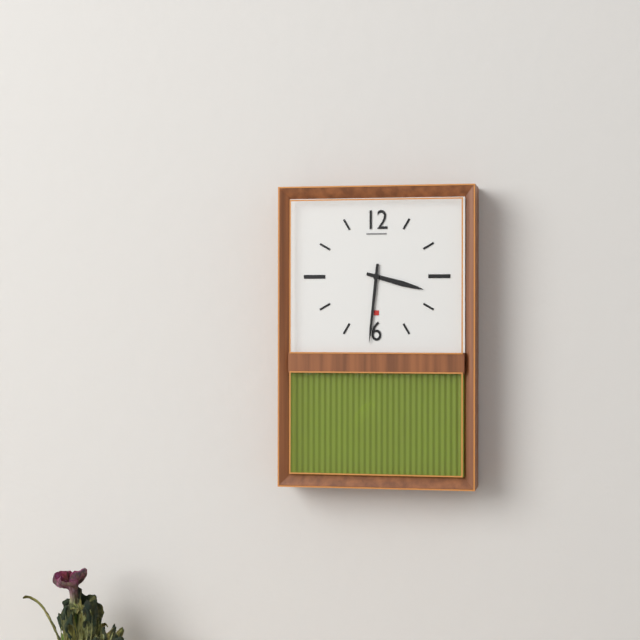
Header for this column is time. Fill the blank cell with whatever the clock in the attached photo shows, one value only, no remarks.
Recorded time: 3:31
